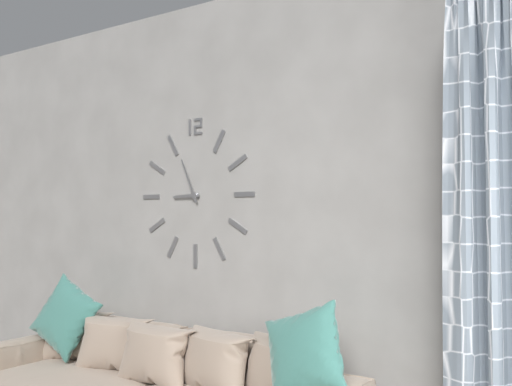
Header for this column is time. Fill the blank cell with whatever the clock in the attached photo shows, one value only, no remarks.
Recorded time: 8:56
